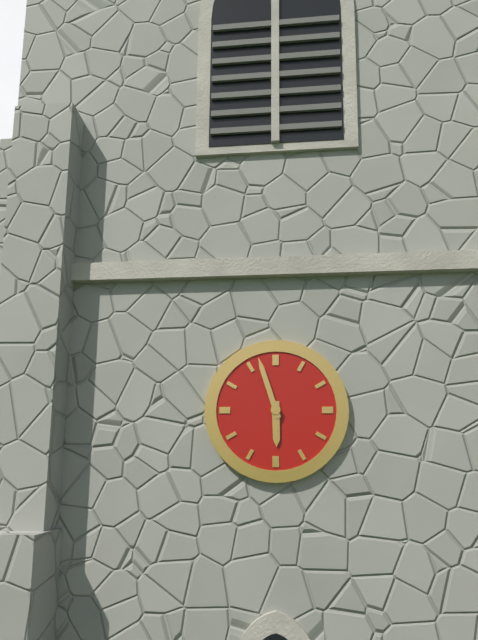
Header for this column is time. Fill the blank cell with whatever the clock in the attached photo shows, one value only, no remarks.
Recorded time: 5:57
